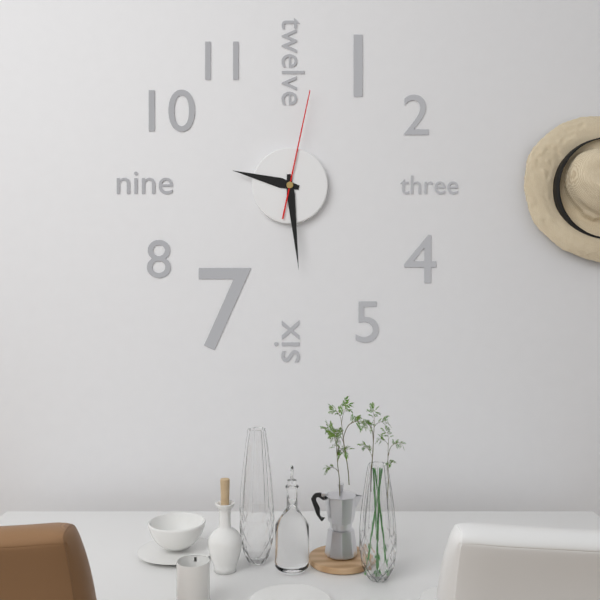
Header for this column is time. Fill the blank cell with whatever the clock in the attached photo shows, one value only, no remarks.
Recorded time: 9:29:02
